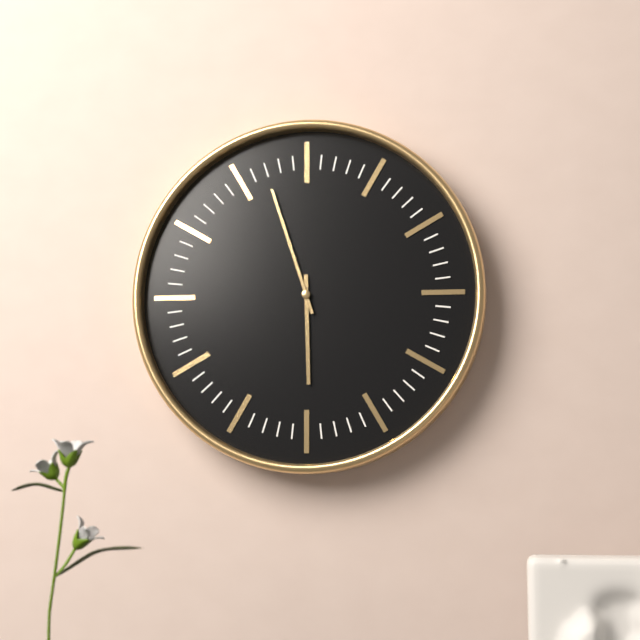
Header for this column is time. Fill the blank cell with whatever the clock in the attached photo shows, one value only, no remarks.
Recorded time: 5:57
